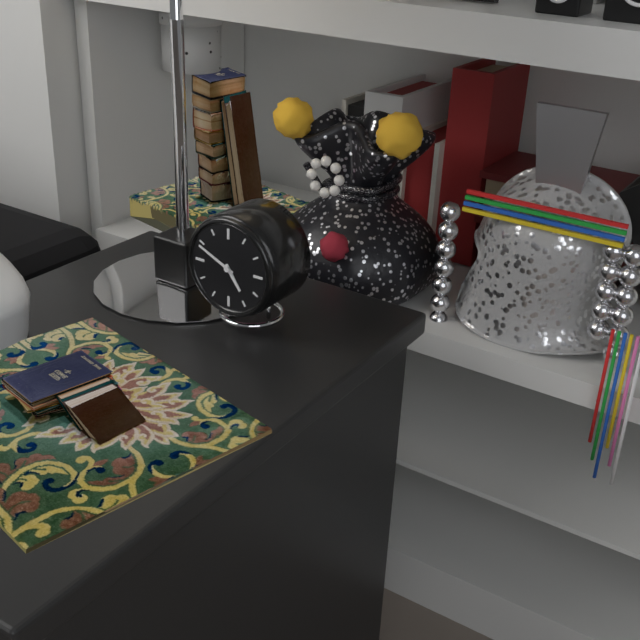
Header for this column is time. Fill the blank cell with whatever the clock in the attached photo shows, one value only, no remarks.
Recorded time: 4:49
